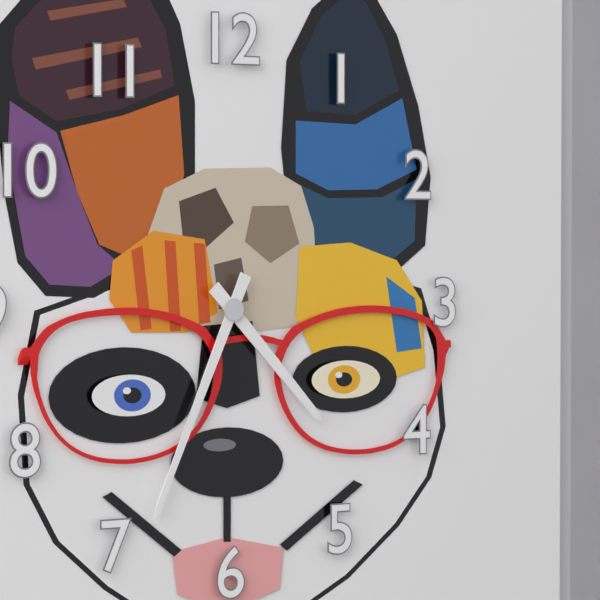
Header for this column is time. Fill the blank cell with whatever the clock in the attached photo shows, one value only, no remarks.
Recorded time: 4:34
